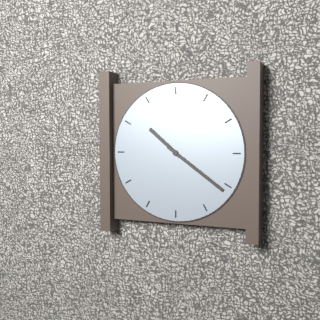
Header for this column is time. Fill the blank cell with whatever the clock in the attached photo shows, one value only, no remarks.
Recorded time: 10:21
